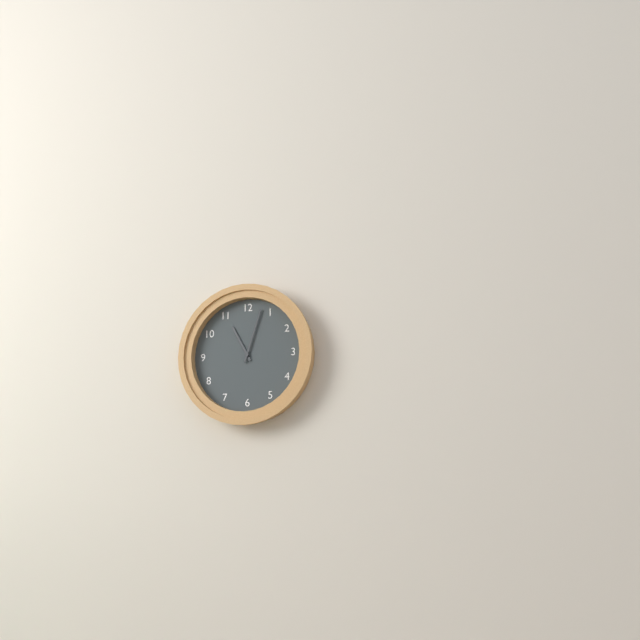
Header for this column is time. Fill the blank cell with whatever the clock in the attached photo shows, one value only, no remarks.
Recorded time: 11:03
